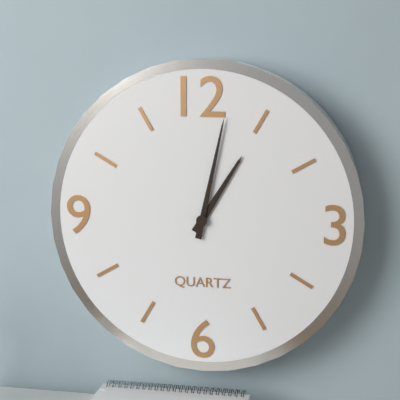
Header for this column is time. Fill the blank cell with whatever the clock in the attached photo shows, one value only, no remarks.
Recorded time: 1:02
